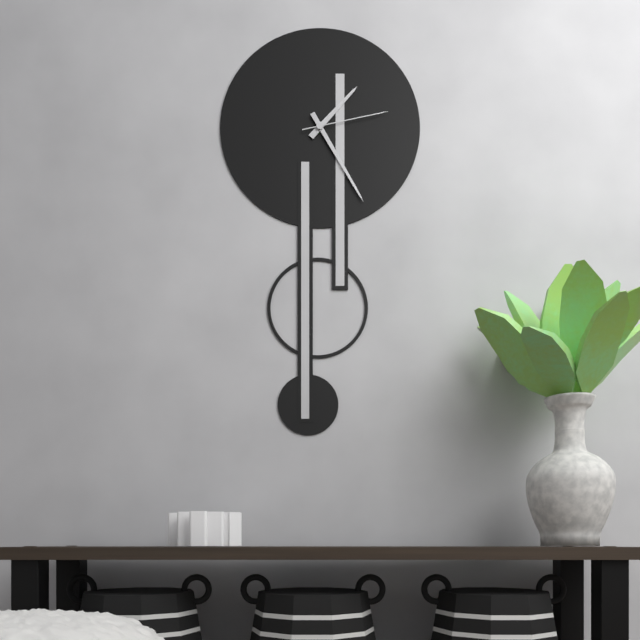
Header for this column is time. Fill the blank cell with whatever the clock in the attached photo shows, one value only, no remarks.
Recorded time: 1:25:13
